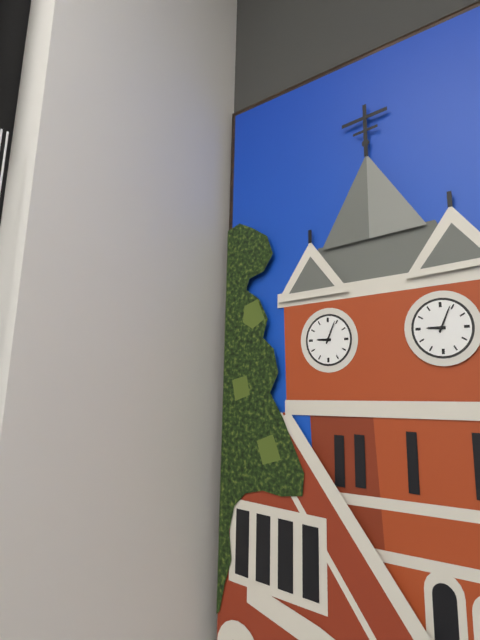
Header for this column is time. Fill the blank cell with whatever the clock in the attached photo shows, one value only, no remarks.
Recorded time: 9:04
